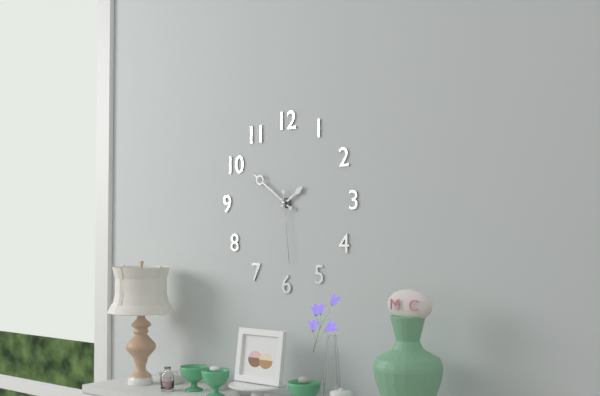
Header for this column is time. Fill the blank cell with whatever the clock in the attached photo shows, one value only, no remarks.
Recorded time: 1:51:29
